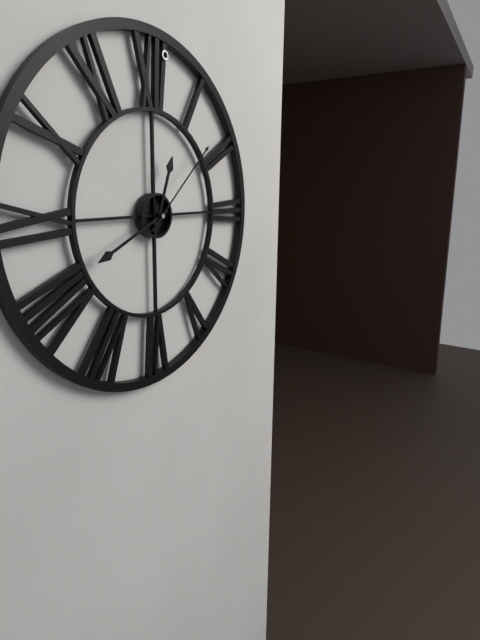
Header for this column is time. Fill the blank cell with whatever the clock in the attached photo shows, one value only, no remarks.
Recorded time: 12:41:08
